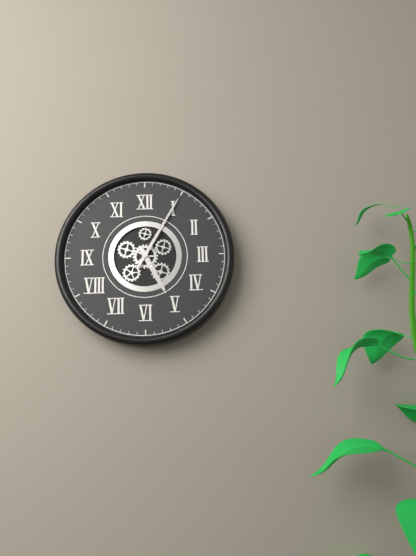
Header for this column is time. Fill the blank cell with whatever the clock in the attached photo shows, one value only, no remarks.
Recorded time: 5:05
